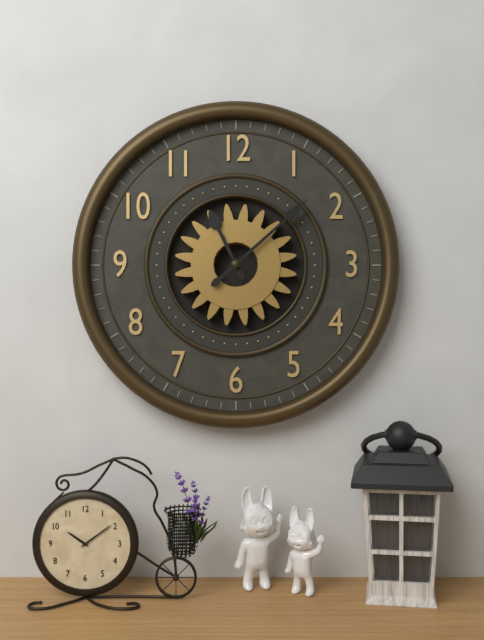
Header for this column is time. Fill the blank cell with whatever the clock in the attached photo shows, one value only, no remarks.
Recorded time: 11:08
